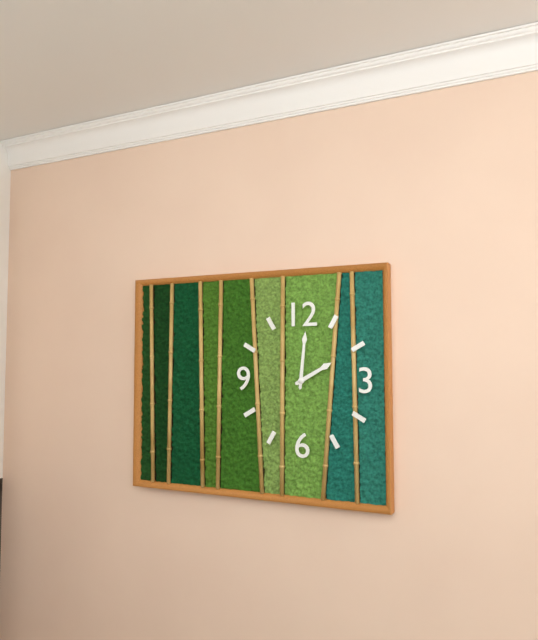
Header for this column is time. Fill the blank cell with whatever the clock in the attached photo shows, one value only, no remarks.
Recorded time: 2:01
